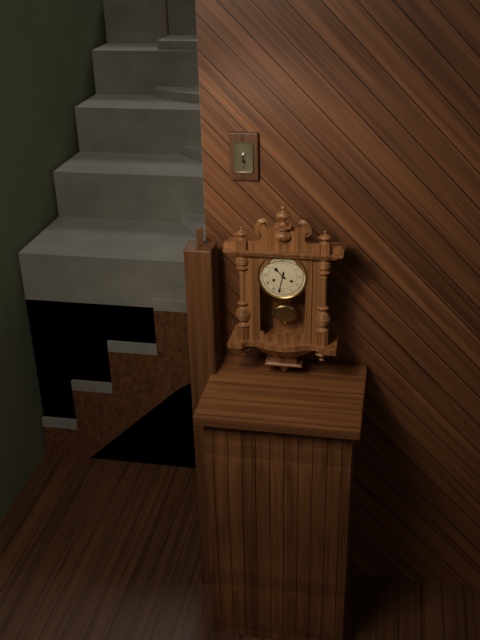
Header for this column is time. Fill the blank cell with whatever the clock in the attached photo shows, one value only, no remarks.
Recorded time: 10:32
